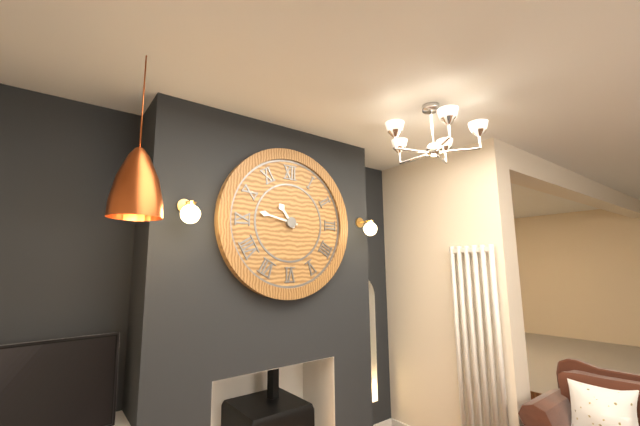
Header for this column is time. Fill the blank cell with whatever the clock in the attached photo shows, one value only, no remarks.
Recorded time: 10:47
